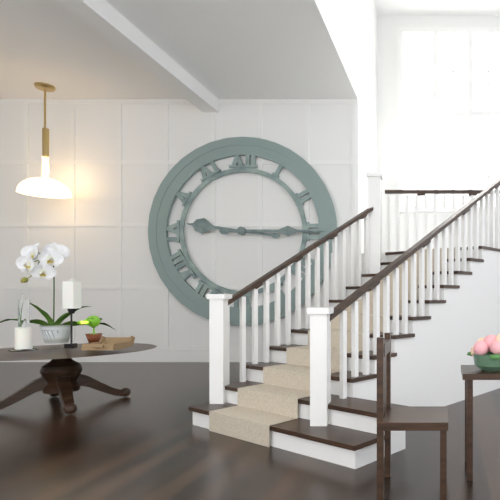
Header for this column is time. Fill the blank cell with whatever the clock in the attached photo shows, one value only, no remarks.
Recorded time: 9:15
